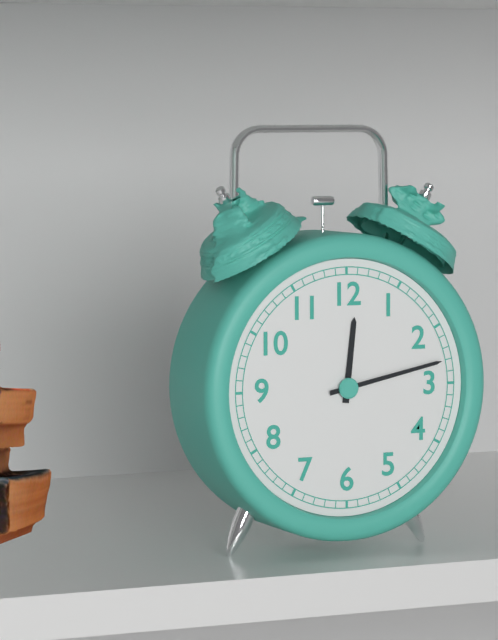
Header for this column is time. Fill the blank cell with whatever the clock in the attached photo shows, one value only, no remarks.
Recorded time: 12:13
